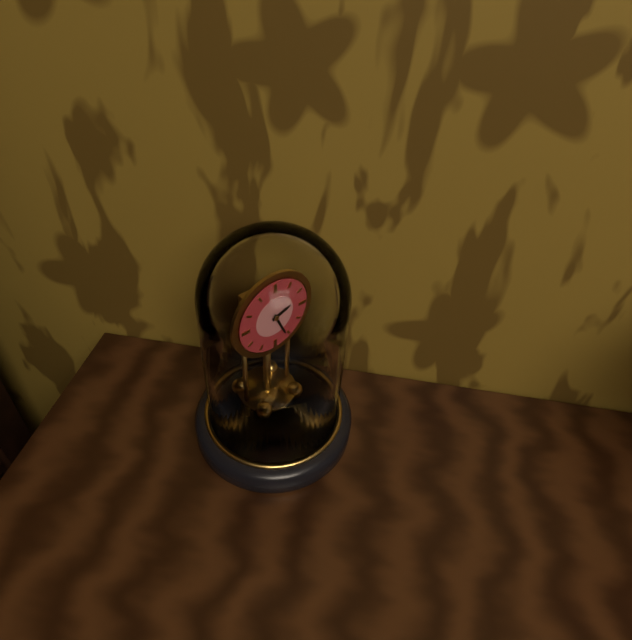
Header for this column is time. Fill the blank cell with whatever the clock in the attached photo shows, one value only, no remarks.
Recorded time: 2:26
